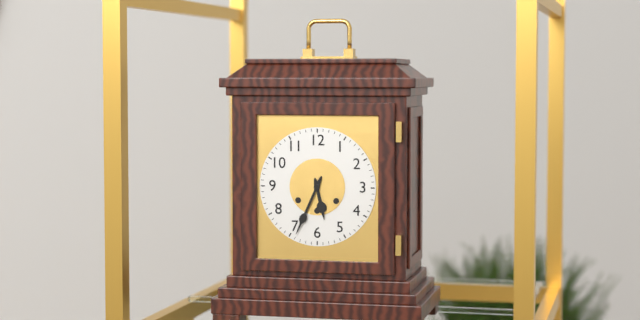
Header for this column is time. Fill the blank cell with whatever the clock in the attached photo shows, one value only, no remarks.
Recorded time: 5:34
